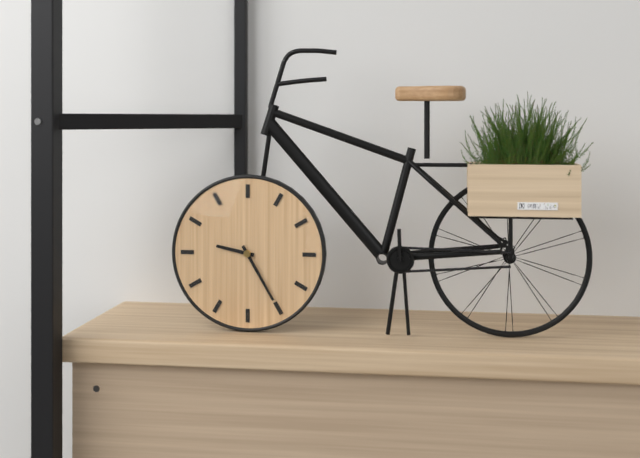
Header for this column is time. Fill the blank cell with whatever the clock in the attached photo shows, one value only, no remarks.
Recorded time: 9:25
